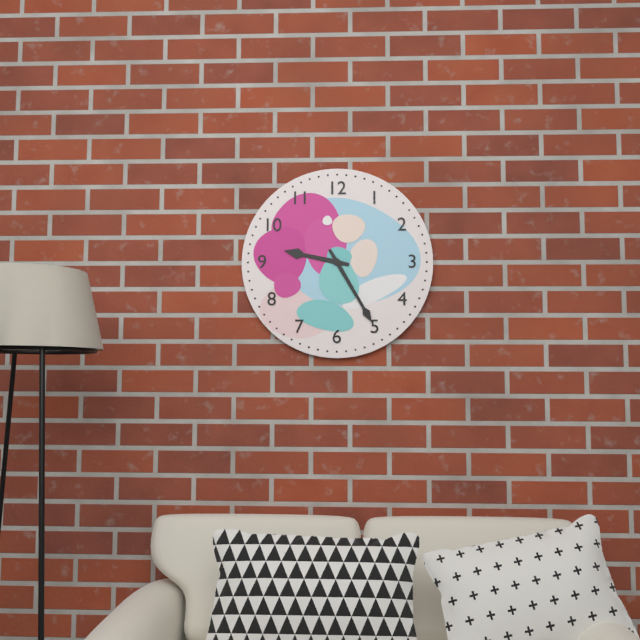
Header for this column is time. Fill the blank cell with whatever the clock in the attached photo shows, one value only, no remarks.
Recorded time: 9:25
